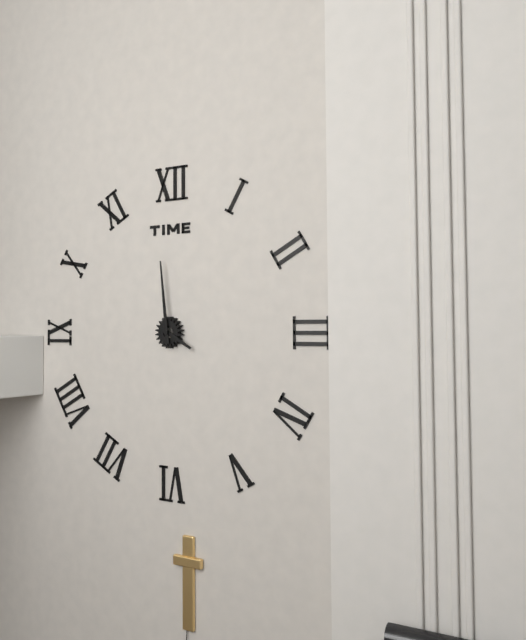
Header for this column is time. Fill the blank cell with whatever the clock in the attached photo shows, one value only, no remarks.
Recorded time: 3:59
